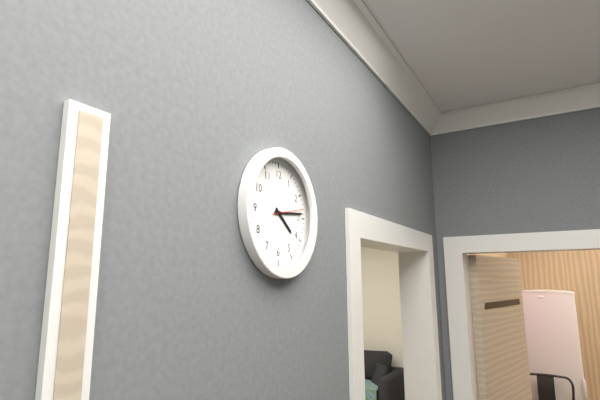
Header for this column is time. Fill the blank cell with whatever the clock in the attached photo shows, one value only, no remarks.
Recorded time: 4:14
